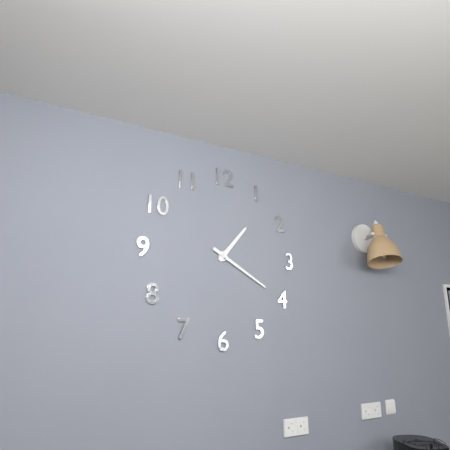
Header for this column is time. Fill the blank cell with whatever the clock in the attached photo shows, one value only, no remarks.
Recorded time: 1:20
